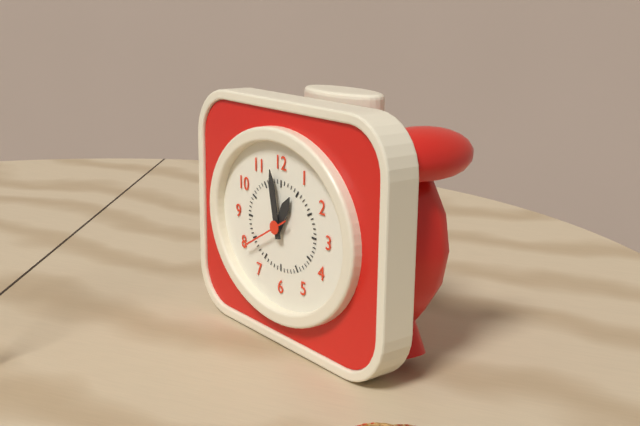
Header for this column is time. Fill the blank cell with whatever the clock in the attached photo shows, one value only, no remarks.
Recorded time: 12:58
